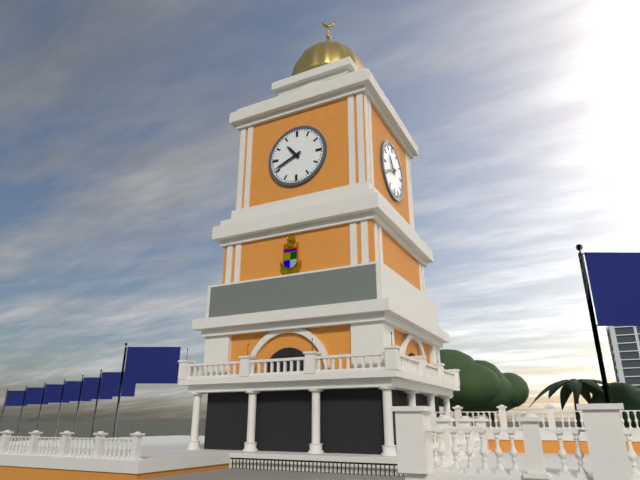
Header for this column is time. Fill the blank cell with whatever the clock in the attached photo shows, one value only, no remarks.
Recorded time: 10:41
